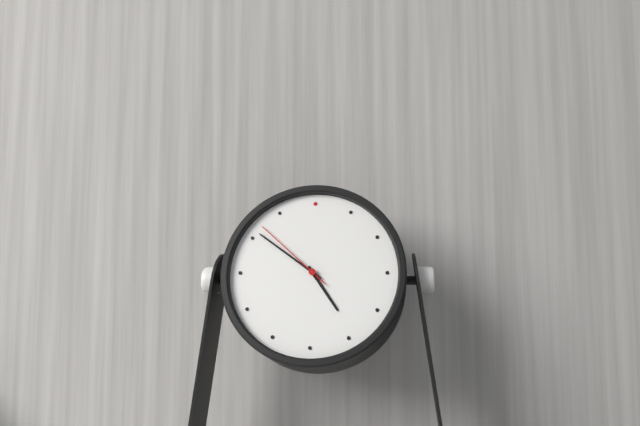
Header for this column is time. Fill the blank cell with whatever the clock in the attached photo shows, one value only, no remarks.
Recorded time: 4:51:52
